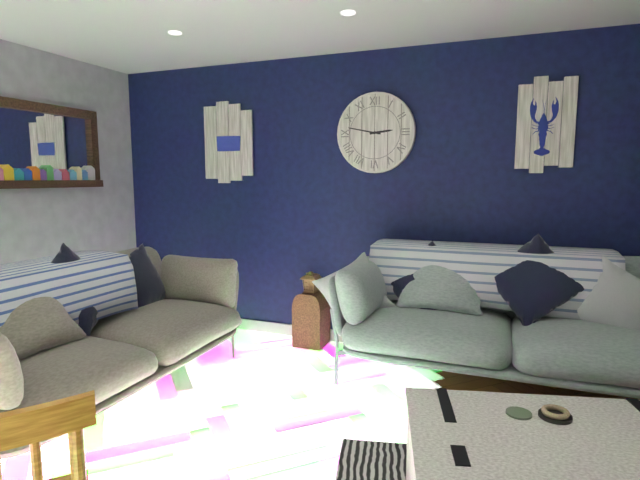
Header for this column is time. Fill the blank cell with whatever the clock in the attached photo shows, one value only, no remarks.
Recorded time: 2:47
